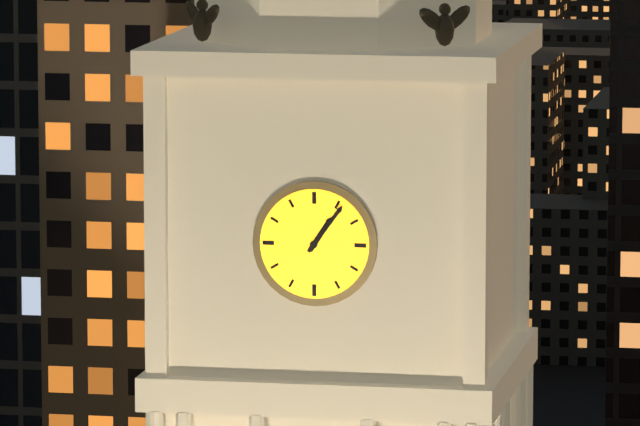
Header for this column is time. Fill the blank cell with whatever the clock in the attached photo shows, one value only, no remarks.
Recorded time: 1:06
